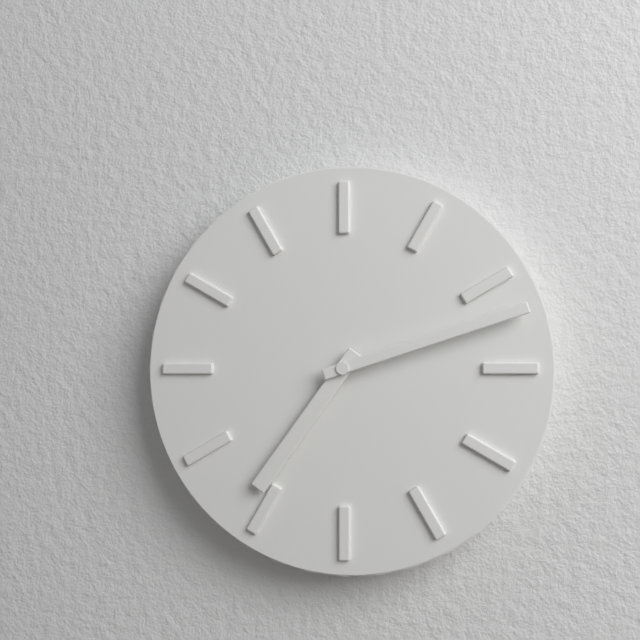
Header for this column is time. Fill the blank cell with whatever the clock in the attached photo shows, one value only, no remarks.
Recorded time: 7:12
